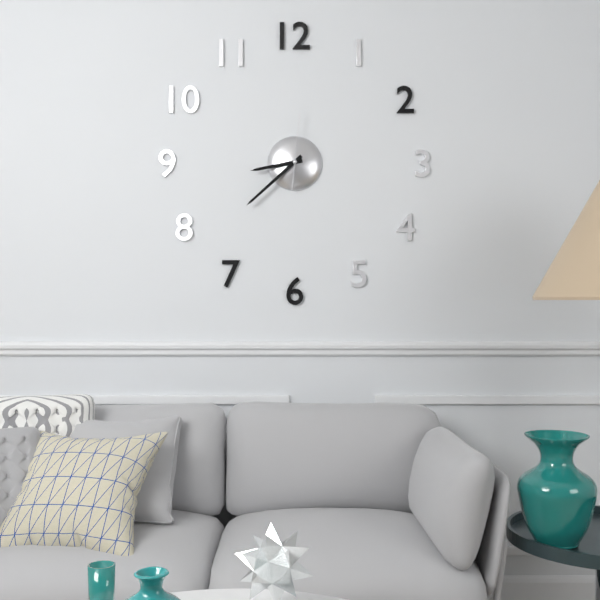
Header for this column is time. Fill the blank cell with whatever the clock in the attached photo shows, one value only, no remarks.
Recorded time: 8:38:01
